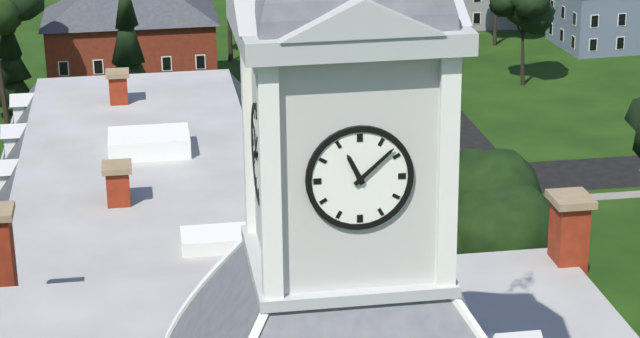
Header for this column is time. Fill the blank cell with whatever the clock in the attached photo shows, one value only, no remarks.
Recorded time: 11:08
